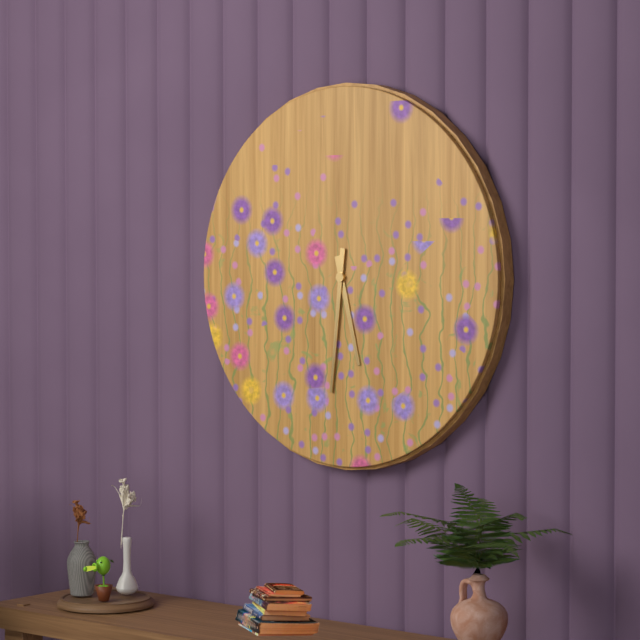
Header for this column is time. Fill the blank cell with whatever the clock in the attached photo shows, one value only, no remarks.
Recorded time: 5:31
